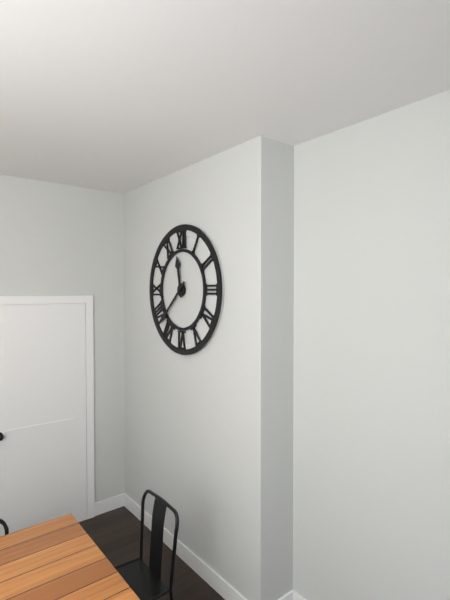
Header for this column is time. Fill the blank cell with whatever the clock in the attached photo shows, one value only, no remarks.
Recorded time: 11:38
